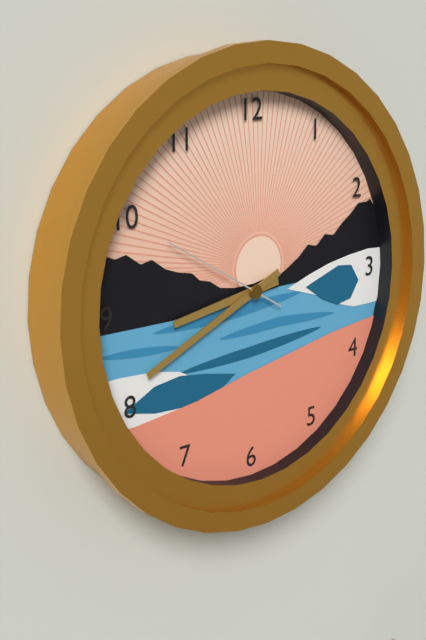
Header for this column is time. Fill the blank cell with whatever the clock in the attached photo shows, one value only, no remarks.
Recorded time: 8:41:50
